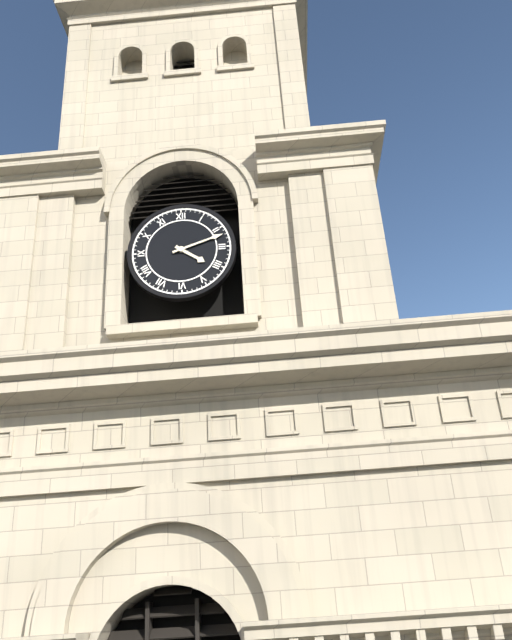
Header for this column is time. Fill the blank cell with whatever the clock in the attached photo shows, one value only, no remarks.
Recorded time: 4:12
